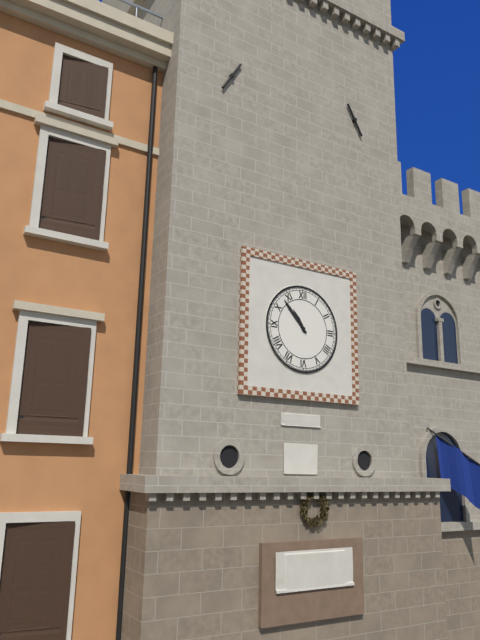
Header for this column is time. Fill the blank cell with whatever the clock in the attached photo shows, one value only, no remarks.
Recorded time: 10:53
